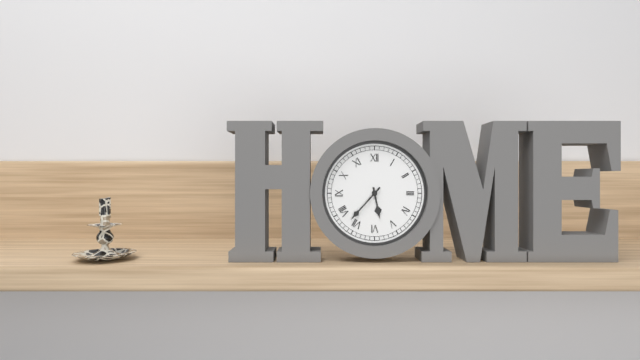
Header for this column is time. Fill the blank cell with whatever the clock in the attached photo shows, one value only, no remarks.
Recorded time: 5:37
